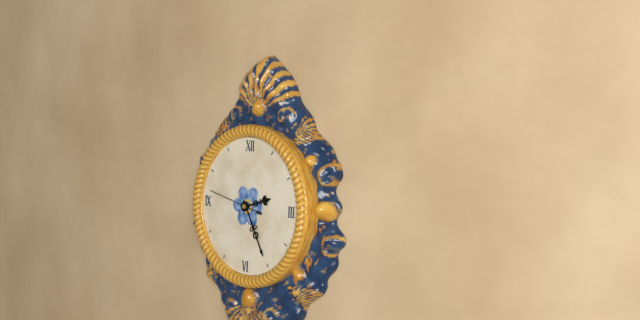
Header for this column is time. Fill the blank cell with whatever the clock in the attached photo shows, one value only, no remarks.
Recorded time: 2:25
